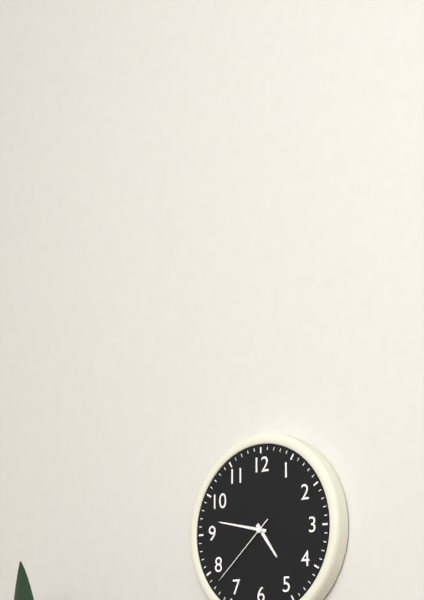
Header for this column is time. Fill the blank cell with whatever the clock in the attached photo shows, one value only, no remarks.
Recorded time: 4:47:38
